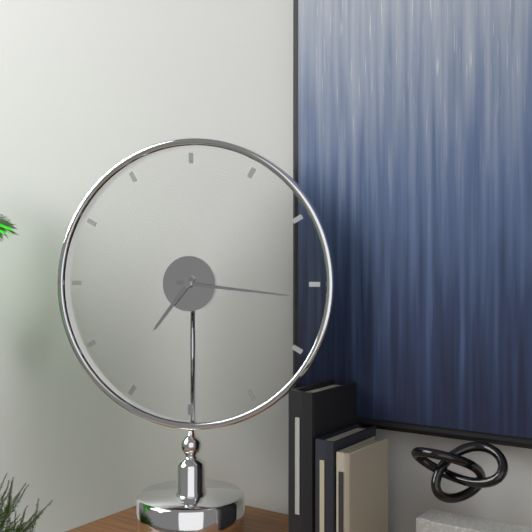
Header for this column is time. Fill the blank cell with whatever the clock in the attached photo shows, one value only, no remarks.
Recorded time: 7:16
